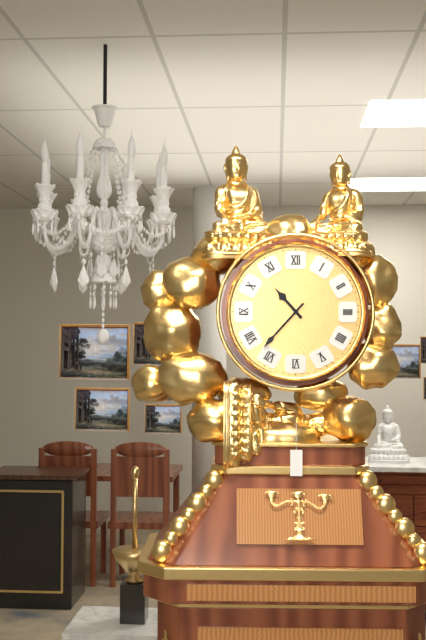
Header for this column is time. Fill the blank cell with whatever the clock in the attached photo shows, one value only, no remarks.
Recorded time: 10:37
